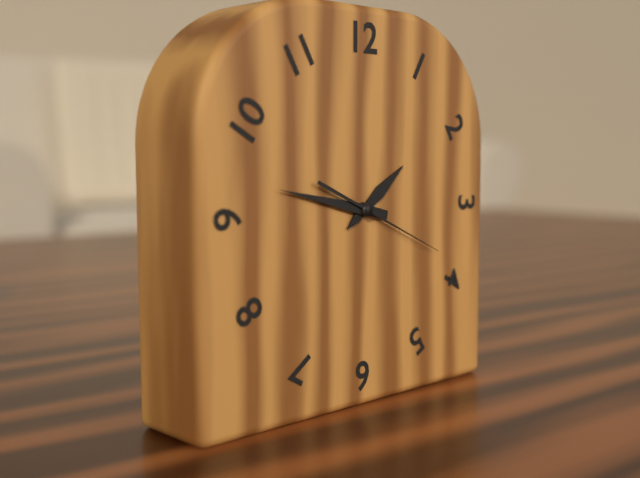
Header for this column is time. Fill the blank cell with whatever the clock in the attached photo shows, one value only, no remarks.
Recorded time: 1:47:19
